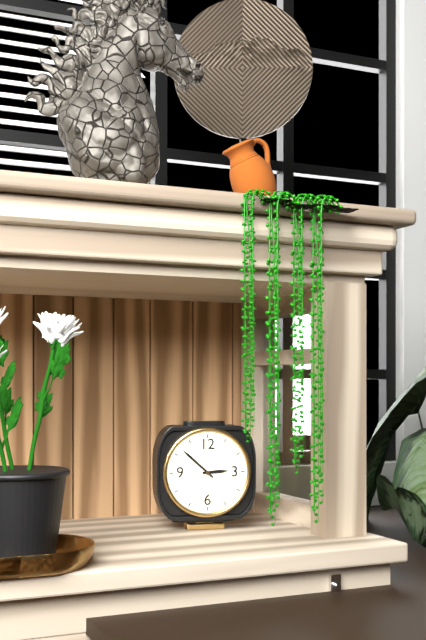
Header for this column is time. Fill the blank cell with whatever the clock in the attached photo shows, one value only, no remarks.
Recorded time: 2:52
